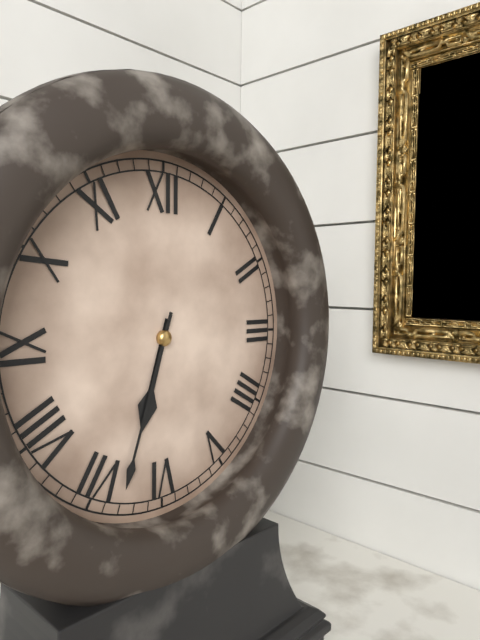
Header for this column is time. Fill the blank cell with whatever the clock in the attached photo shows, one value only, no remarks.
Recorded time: 6:33
